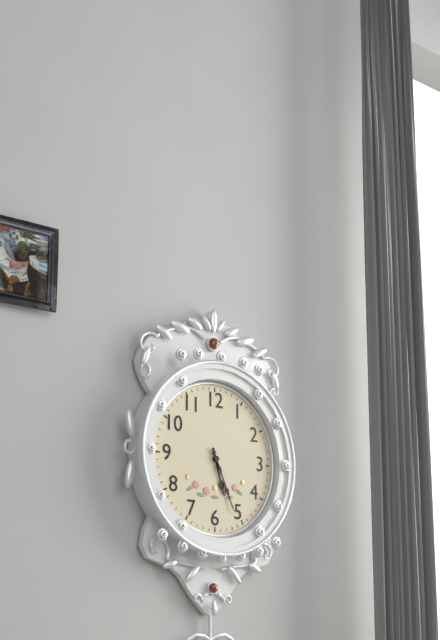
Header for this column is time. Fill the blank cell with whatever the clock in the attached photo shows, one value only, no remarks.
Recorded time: 5:26
